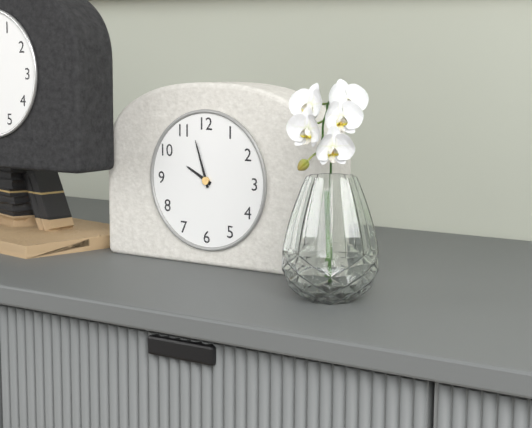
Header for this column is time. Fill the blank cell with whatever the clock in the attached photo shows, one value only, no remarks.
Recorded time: 9:57
